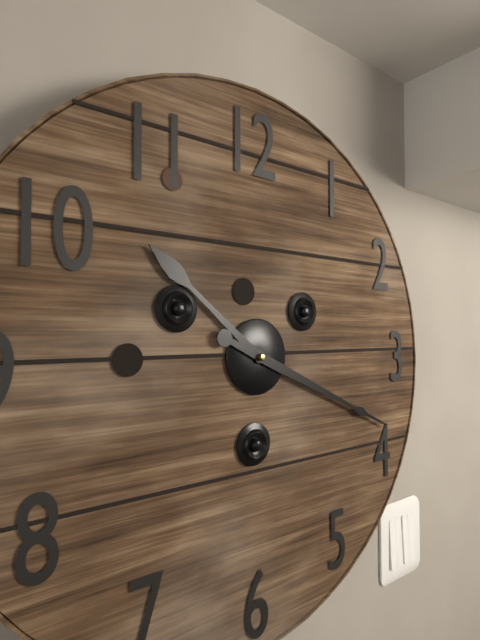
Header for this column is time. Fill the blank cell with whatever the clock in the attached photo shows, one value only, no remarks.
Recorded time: 10:19
